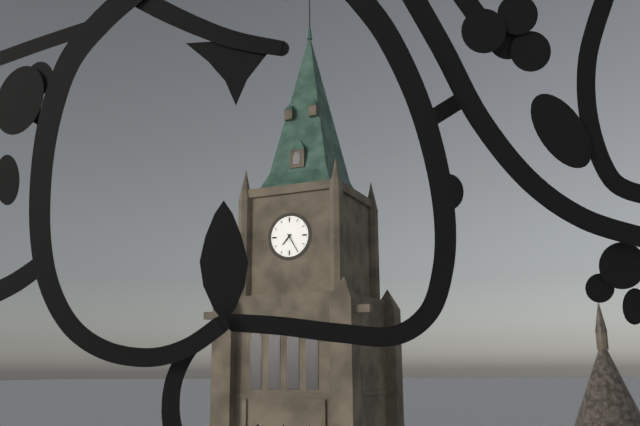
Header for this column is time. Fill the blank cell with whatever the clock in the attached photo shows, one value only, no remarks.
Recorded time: 7:25
